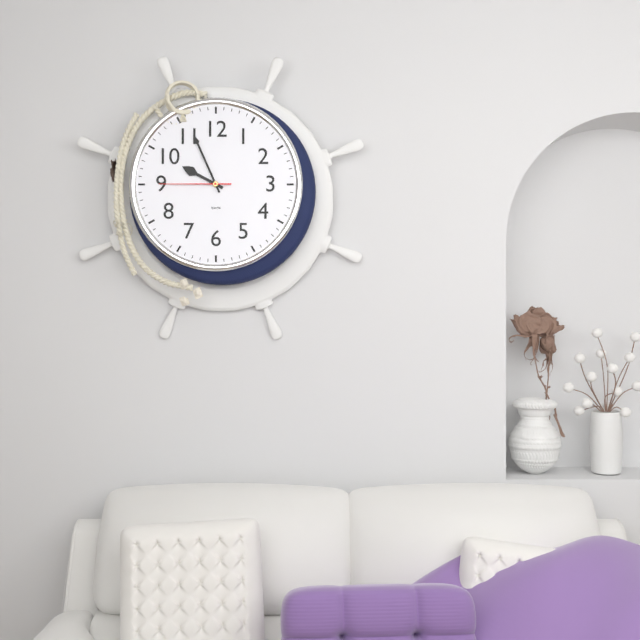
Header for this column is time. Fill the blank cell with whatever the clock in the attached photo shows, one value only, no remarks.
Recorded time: 9:56:45
